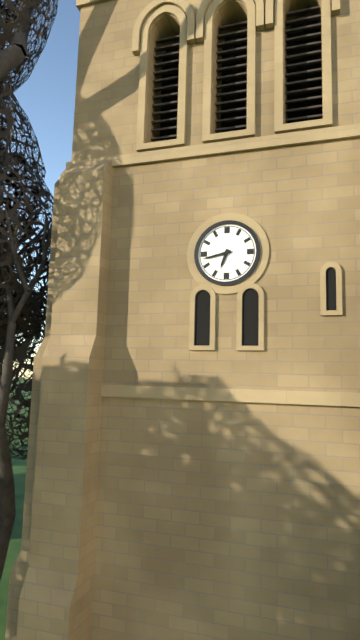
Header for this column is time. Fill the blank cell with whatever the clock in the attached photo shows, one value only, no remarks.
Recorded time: 6:43
